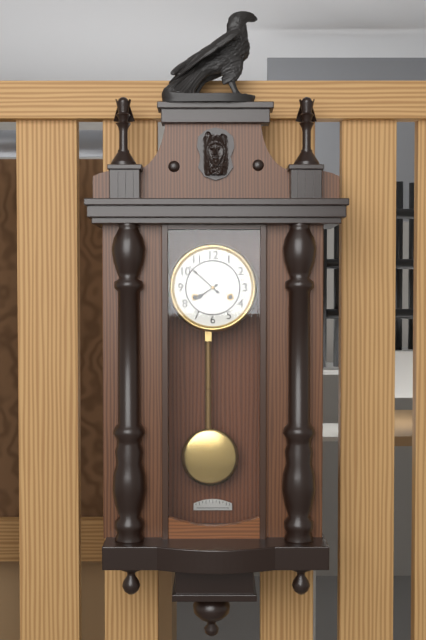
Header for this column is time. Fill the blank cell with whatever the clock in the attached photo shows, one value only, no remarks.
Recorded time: 7:52
